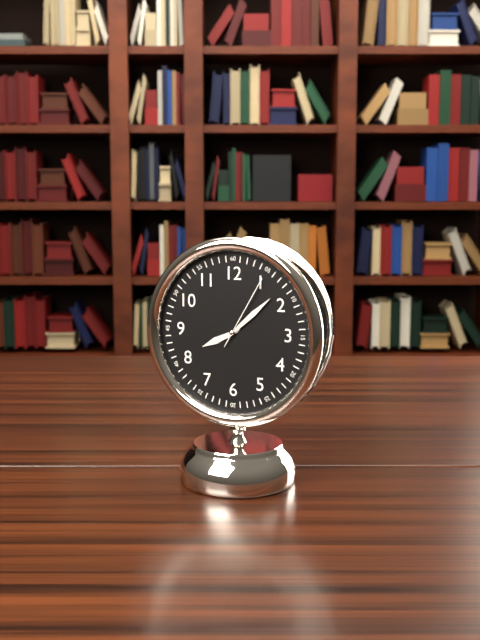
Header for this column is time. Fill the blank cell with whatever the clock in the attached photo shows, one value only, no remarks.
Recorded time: 8:08:05
